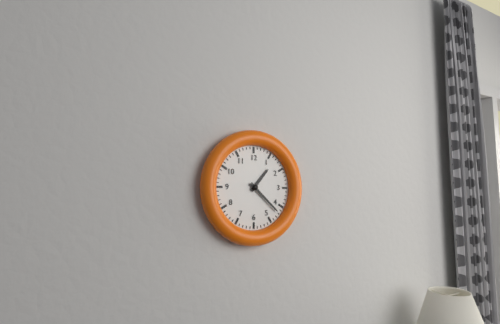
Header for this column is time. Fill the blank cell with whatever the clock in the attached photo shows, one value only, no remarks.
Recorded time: 1:22
